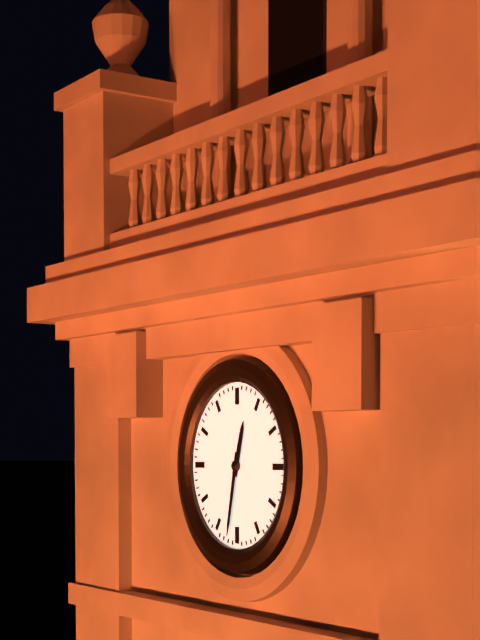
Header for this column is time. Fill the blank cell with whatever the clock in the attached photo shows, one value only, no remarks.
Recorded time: 12:32
